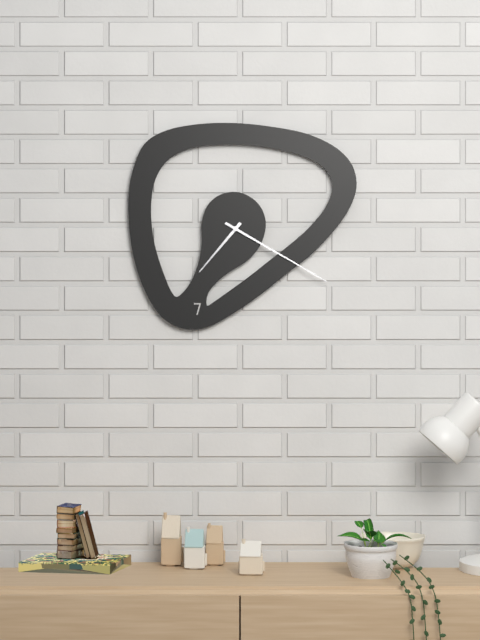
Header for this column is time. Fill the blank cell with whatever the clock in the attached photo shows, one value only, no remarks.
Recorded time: 7:20
